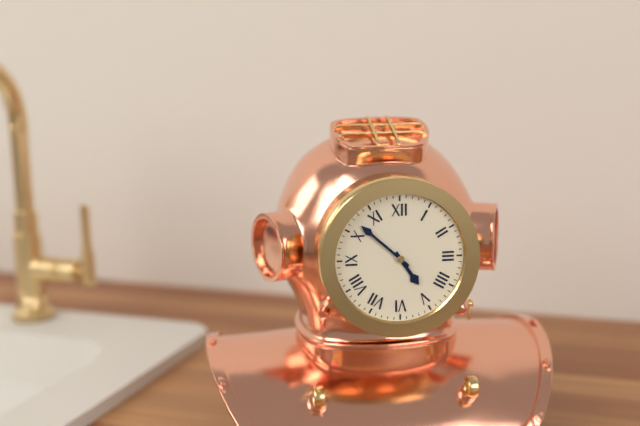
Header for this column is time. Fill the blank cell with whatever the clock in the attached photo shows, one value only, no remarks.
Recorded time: 4:52
